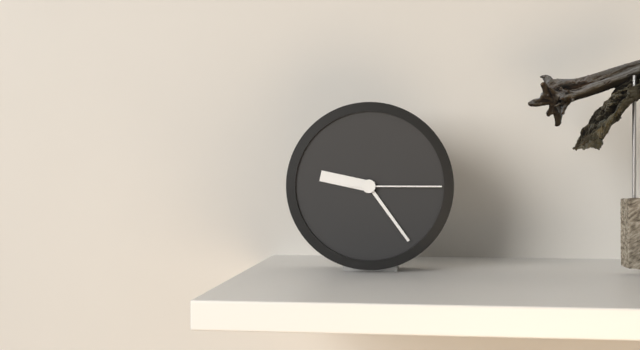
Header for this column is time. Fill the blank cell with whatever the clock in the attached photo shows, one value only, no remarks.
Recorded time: 9:24:15
